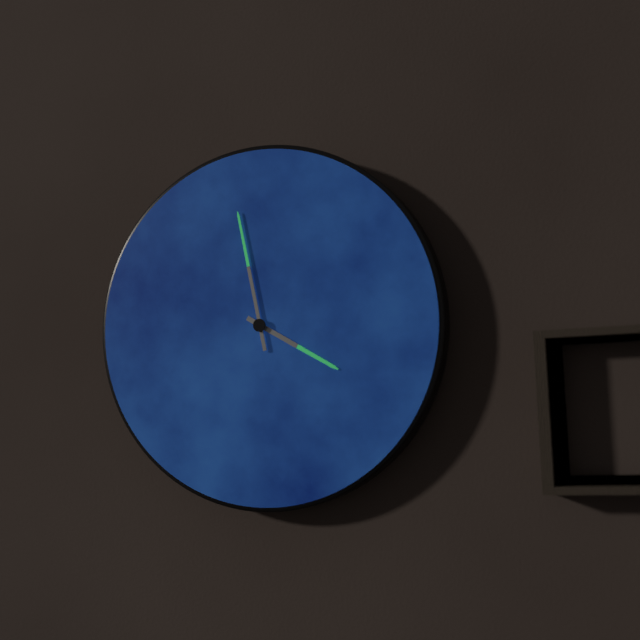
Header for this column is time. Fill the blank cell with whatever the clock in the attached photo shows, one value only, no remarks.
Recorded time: 3:58
